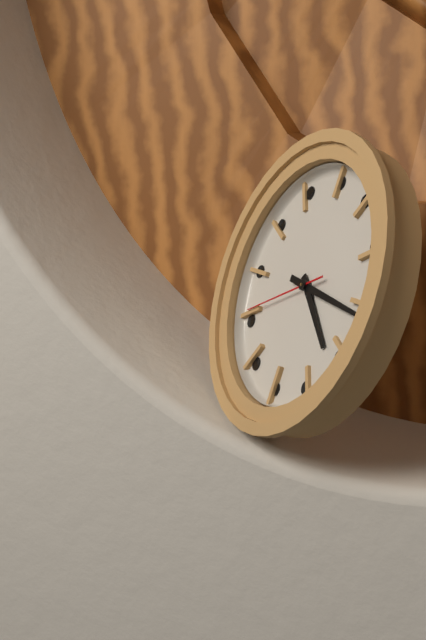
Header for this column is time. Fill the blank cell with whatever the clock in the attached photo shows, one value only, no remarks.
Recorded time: 4:16:41
